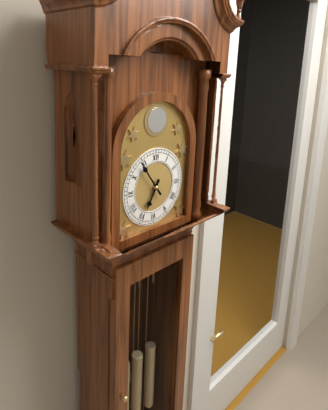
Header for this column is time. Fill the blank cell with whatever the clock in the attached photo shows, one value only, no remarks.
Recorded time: 6:54
